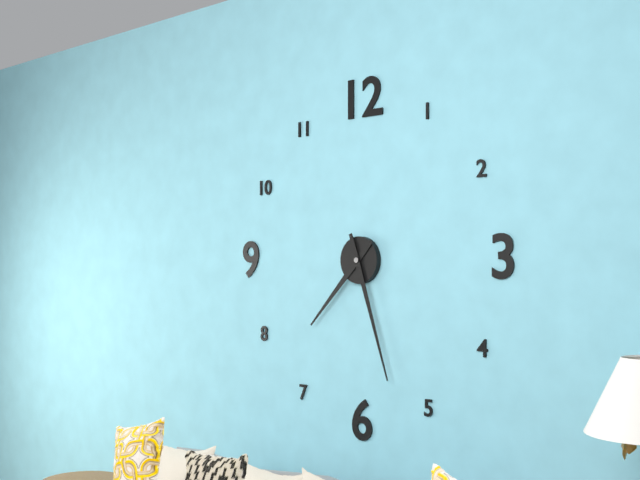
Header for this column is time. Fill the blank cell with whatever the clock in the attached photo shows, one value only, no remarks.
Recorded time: 7:27
